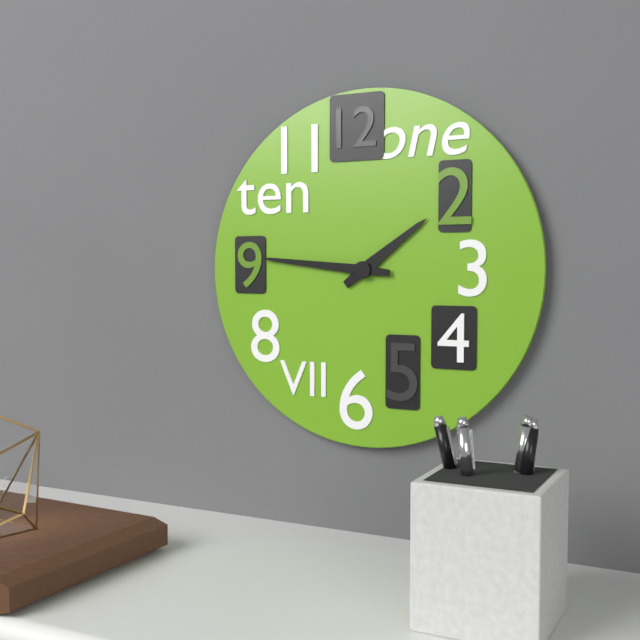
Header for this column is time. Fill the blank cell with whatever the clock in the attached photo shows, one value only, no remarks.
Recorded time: 1:46
